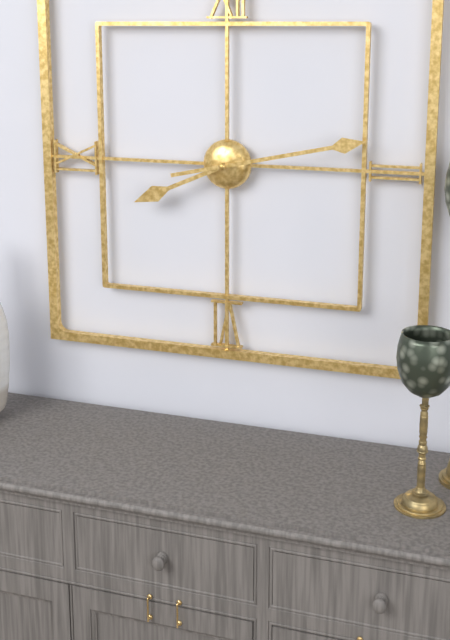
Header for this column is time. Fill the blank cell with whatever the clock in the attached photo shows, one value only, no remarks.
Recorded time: 8:13
